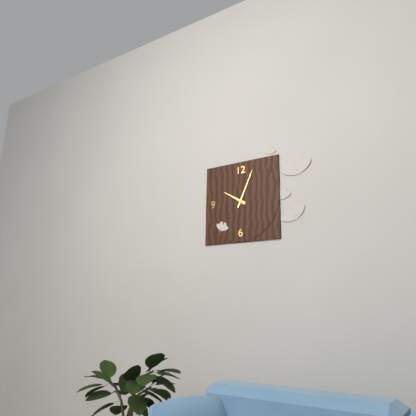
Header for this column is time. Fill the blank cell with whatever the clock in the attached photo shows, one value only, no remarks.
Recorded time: 10:04
